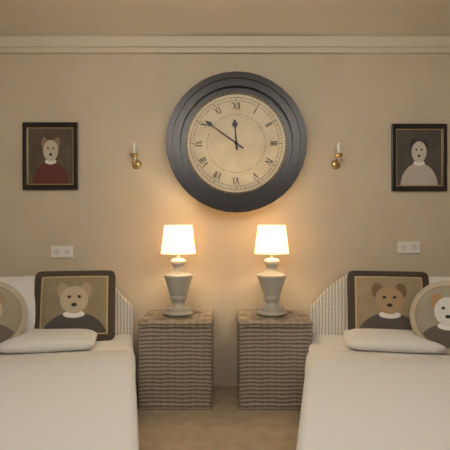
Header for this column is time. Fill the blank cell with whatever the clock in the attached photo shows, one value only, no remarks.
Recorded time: 11:51
